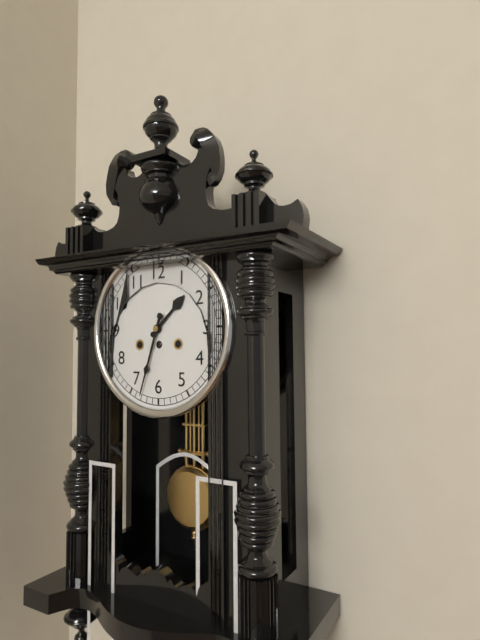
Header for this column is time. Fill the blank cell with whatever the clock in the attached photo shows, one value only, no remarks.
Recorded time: 1:33
